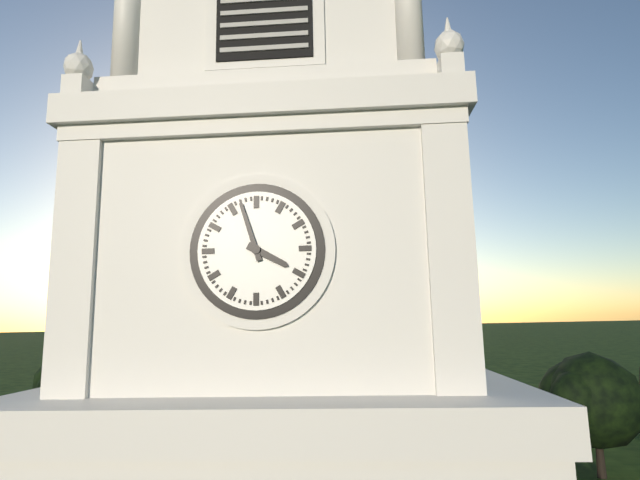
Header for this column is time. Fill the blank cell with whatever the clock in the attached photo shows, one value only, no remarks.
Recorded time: 3:57
